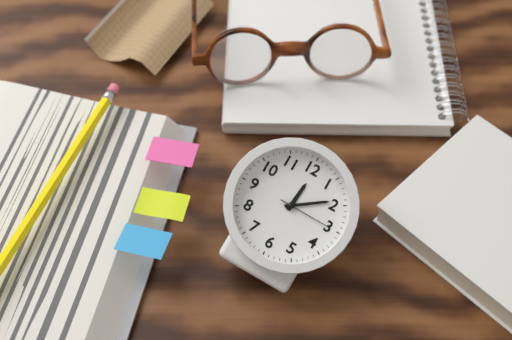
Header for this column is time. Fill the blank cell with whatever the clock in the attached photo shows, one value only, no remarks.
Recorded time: 12:09:15
